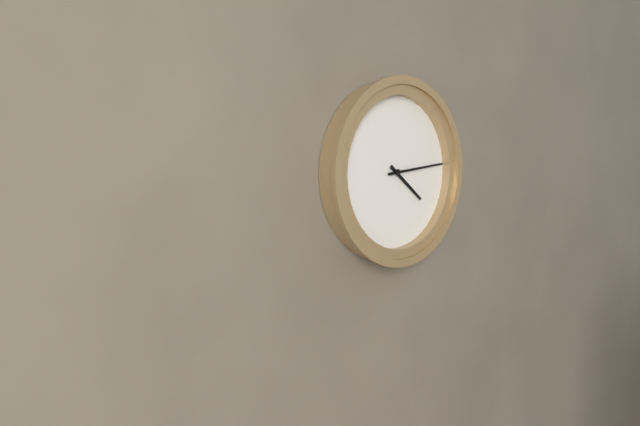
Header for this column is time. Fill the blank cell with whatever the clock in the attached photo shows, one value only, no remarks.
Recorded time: 4:14
